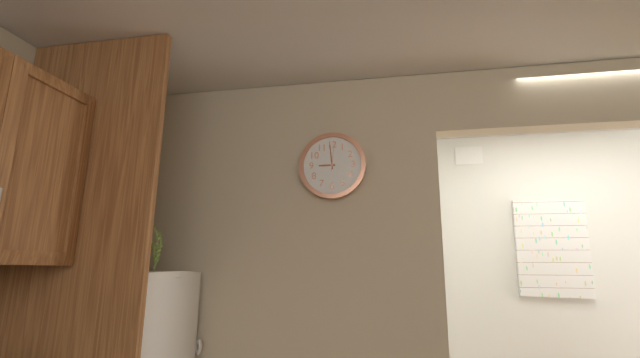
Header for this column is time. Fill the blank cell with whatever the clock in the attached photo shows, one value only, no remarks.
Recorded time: 8:59
